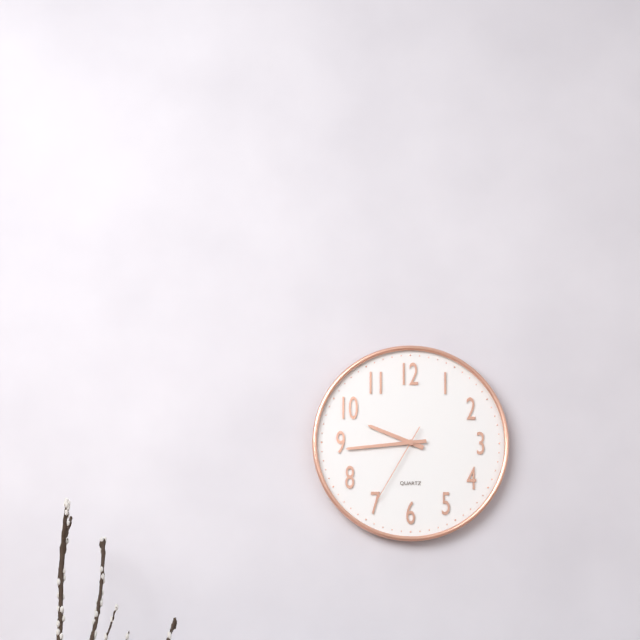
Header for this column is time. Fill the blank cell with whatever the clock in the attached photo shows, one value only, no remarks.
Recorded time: 9:44:35
